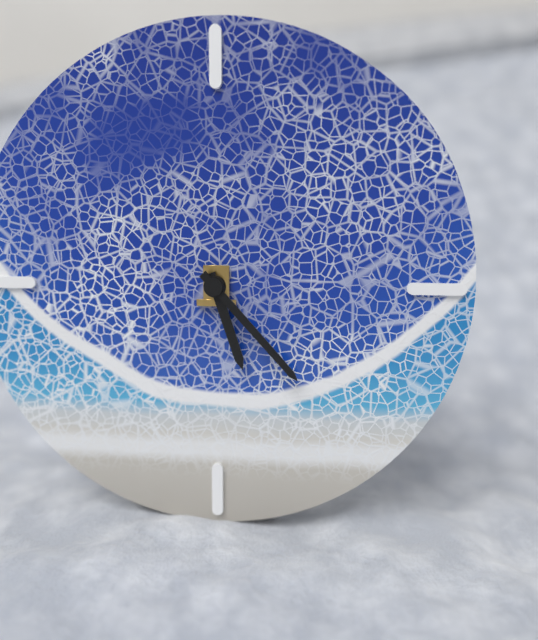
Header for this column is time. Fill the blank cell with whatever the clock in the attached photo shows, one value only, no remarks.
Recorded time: 5:23
